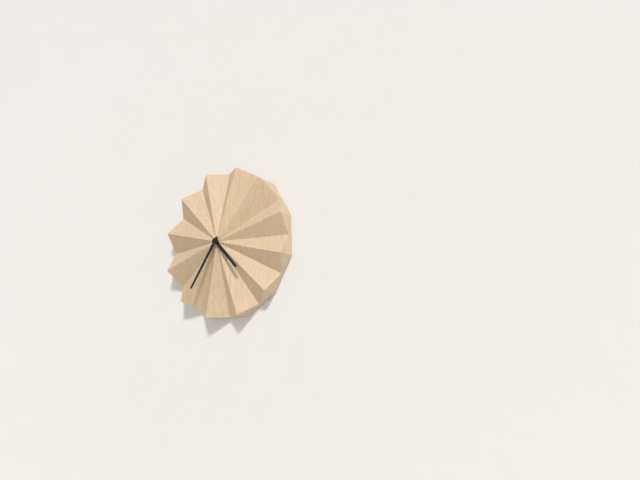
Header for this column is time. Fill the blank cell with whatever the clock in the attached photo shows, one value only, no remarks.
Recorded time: 4:36
